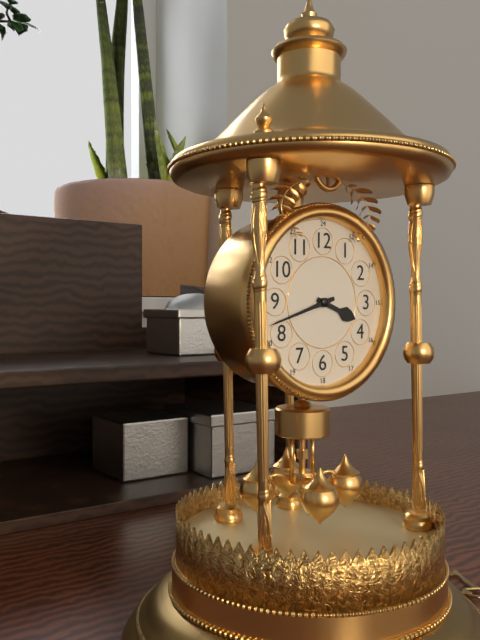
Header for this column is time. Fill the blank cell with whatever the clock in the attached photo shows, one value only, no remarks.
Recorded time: 3:42
